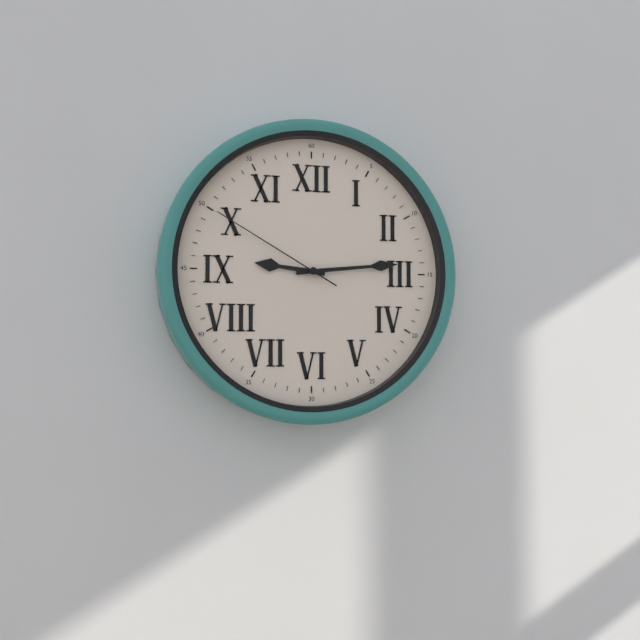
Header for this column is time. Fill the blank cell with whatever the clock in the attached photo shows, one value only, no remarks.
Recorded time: 9:14:50
